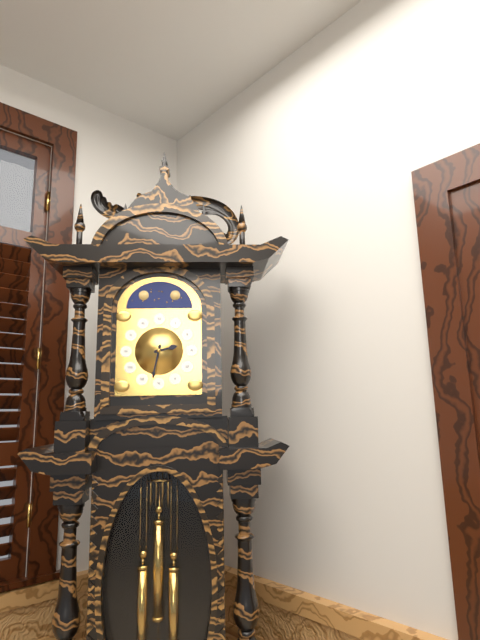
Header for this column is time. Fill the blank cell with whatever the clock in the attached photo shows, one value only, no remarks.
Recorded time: 2:32
